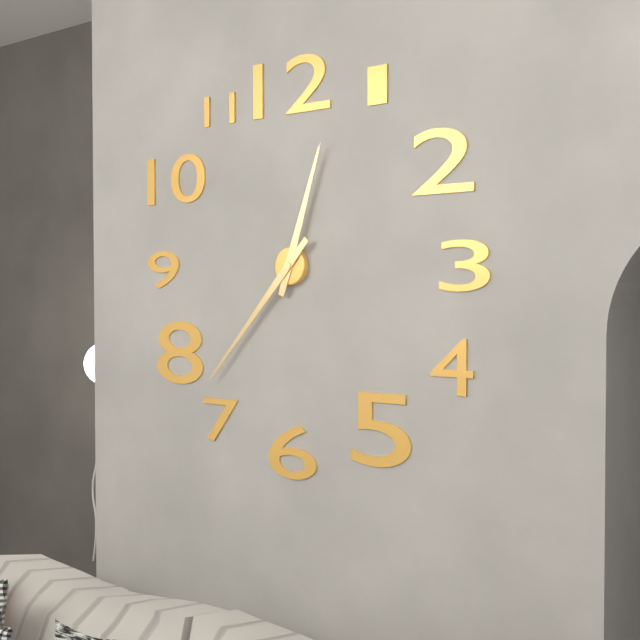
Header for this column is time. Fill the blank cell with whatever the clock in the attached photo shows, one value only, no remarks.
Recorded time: 12:37
